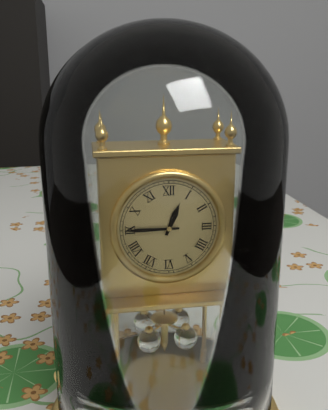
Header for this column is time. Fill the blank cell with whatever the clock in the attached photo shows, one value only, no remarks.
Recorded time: 12:45
